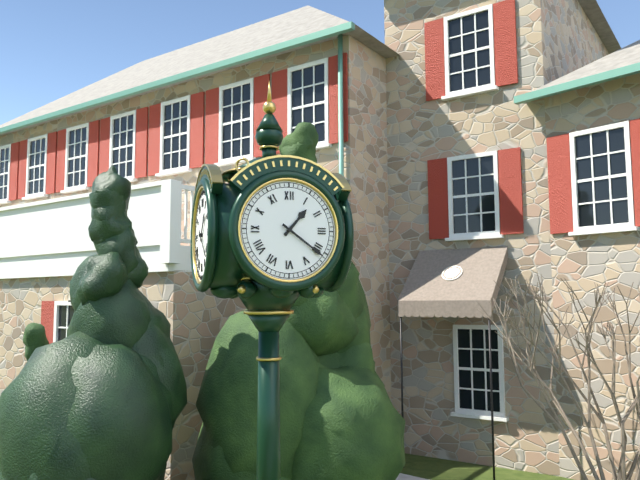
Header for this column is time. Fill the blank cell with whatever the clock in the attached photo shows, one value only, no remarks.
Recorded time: 1:21
